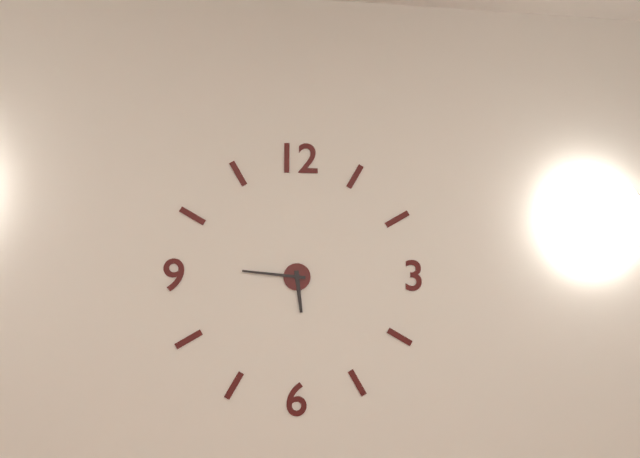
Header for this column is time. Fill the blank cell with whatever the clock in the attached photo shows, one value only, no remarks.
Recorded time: 5:46
